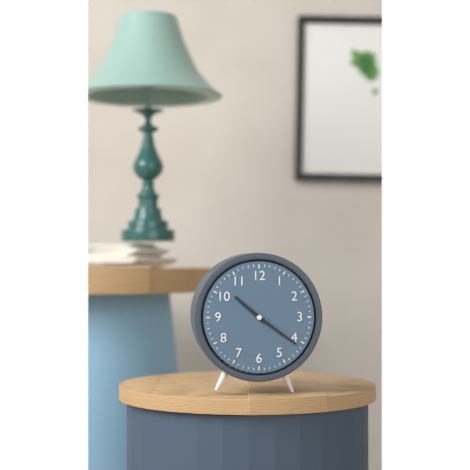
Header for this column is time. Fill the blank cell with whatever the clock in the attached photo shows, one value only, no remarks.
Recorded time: 10:21
